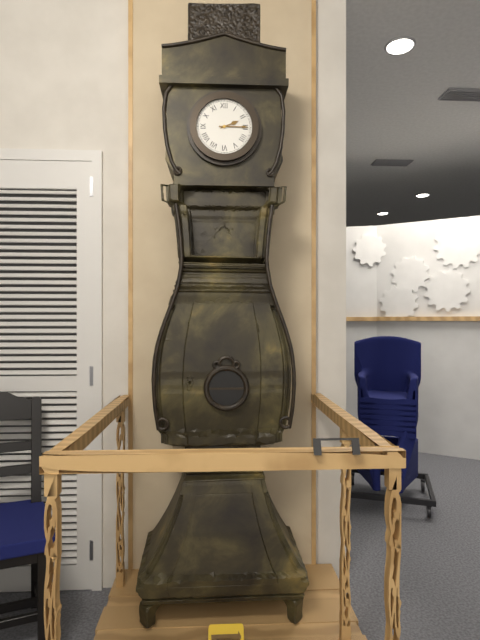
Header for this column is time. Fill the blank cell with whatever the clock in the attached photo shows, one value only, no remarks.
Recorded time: 2:15
